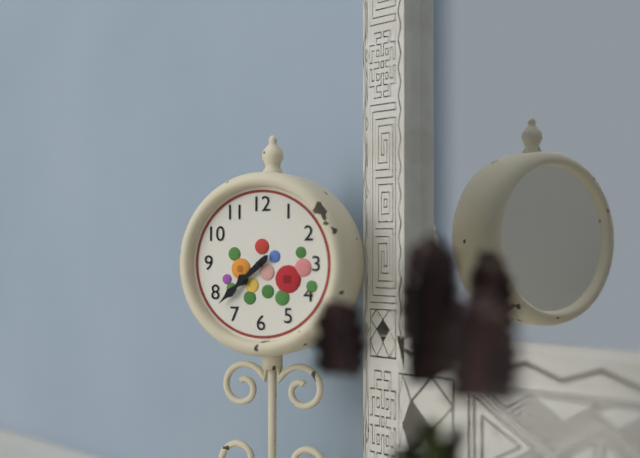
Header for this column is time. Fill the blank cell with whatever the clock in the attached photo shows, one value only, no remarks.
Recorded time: 7:38
